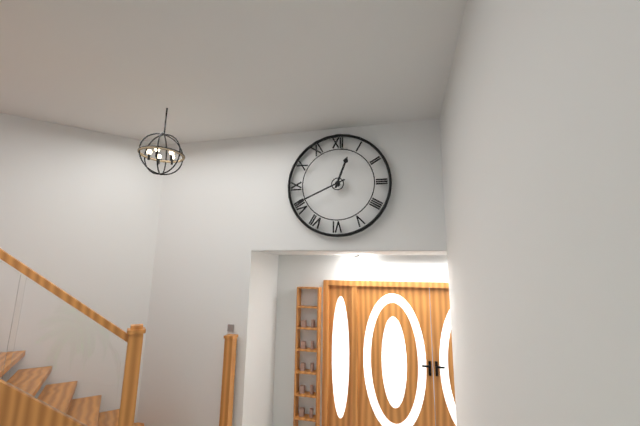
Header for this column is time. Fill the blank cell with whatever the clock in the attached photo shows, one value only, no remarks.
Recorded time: 12:41
